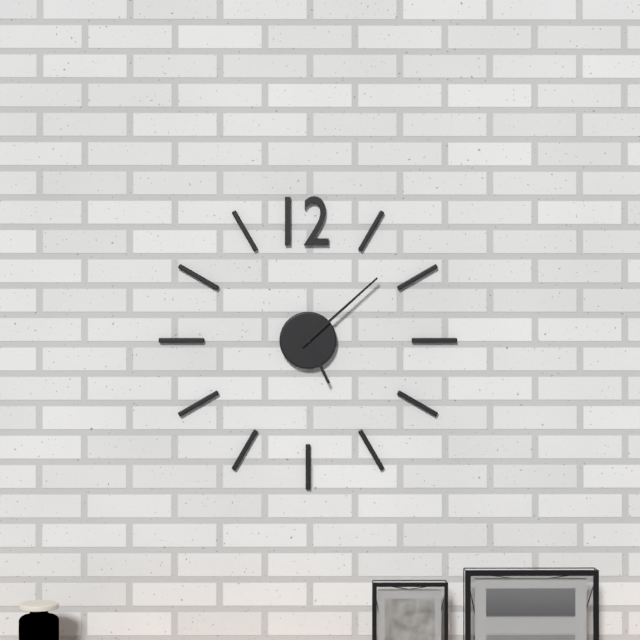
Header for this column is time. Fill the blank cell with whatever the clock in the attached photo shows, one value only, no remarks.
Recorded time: 5:08
